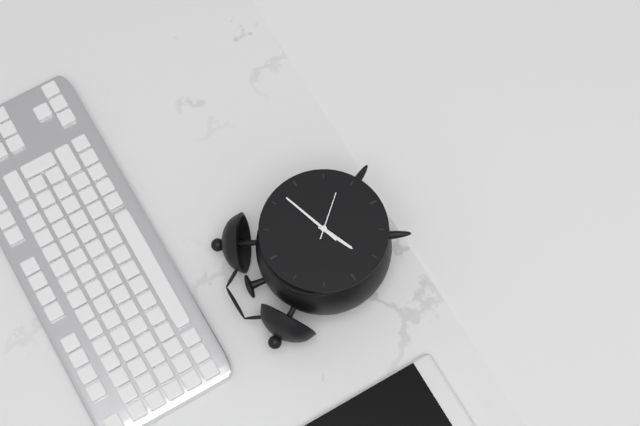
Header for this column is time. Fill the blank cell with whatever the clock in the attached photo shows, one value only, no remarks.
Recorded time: 8:12
